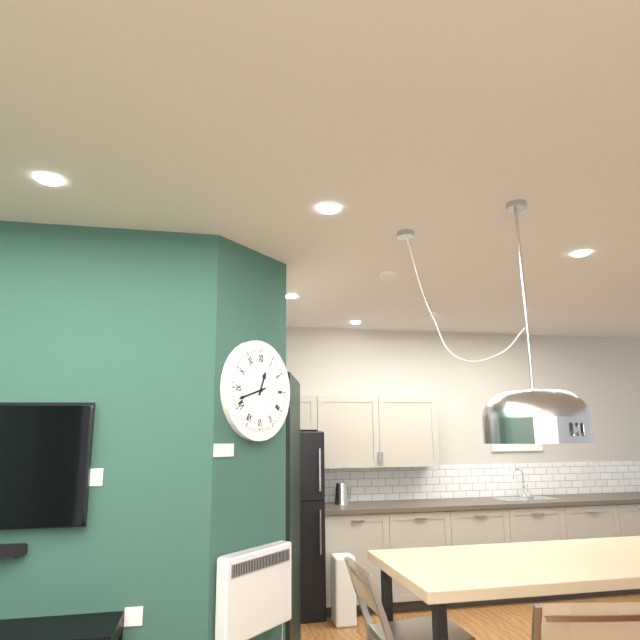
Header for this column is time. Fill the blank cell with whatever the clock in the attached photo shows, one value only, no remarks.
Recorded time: 12:42
